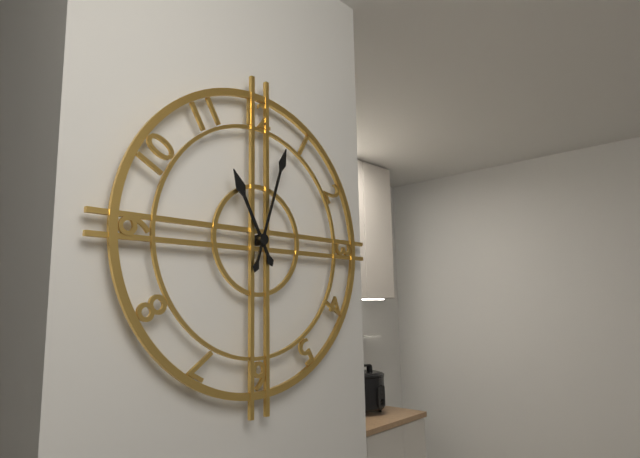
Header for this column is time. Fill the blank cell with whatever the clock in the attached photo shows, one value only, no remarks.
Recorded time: 11:03
